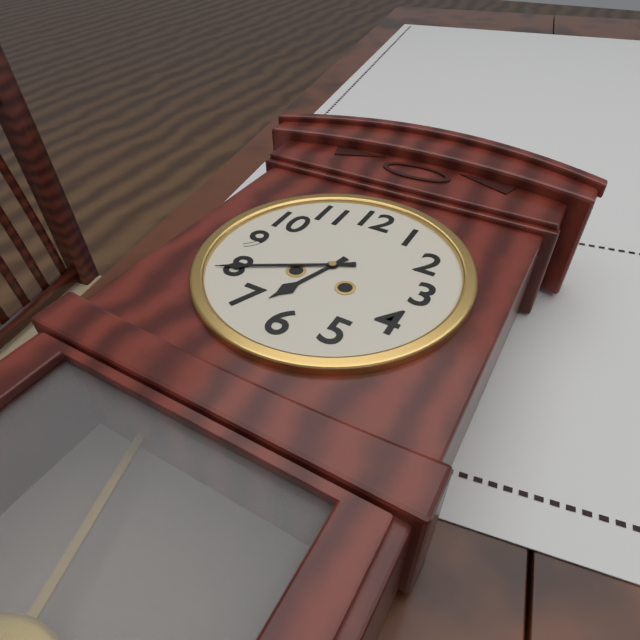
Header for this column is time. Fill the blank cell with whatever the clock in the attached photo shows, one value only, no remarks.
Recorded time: 6:40
